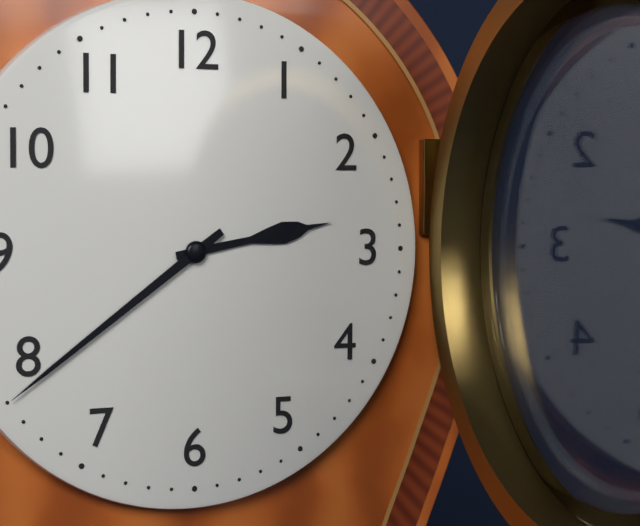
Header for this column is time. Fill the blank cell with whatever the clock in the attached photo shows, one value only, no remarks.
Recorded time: 2:39
